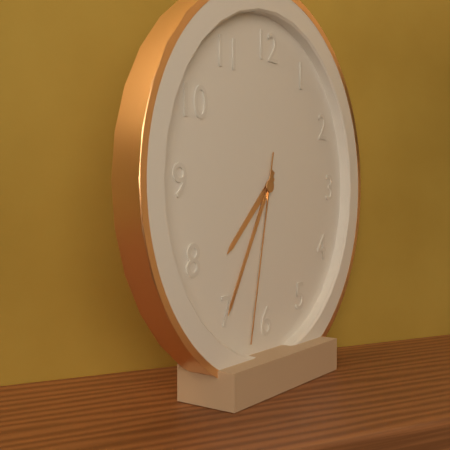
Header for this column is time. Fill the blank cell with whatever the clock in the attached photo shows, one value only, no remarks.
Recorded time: 7:35:32
